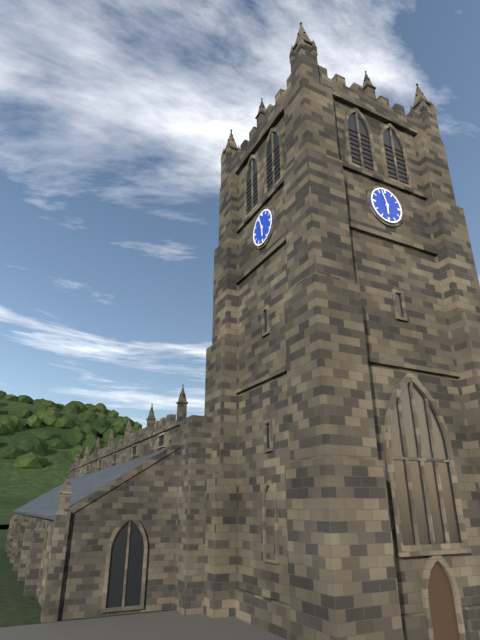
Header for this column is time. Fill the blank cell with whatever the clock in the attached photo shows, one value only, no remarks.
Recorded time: 5:57
